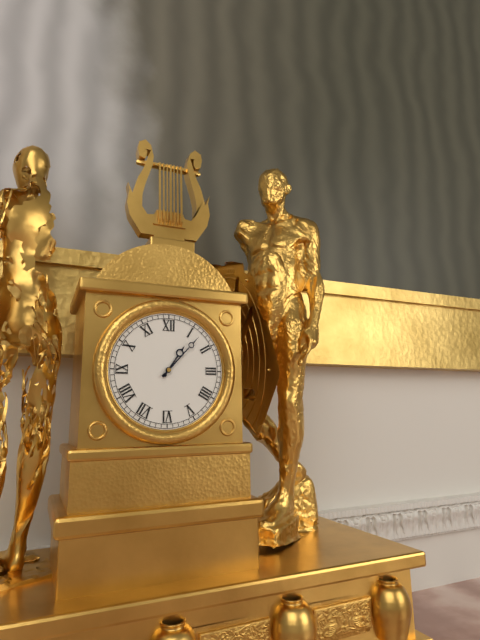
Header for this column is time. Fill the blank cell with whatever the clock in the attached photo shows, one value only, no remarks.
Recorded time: 1:07
